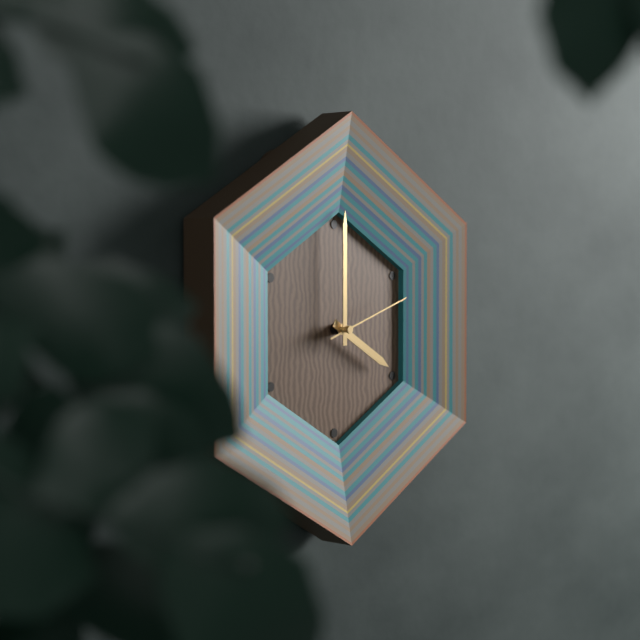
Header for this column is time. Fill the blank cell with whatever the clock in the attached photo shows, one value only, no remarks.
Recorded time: 4:00:12
